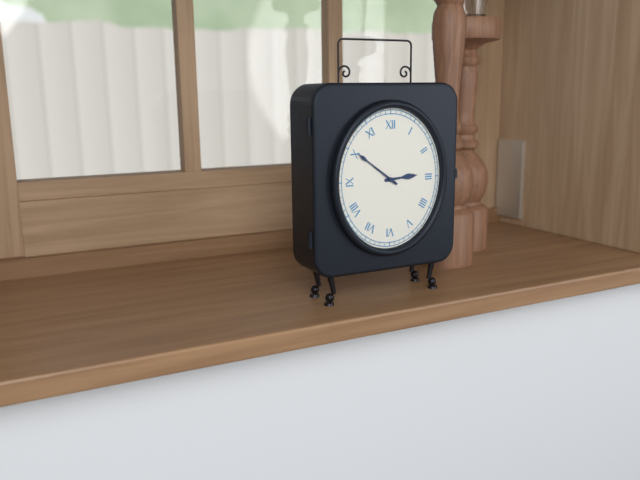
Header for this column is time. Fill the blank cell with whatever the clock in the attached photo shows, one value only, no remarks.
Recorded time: 2:51
